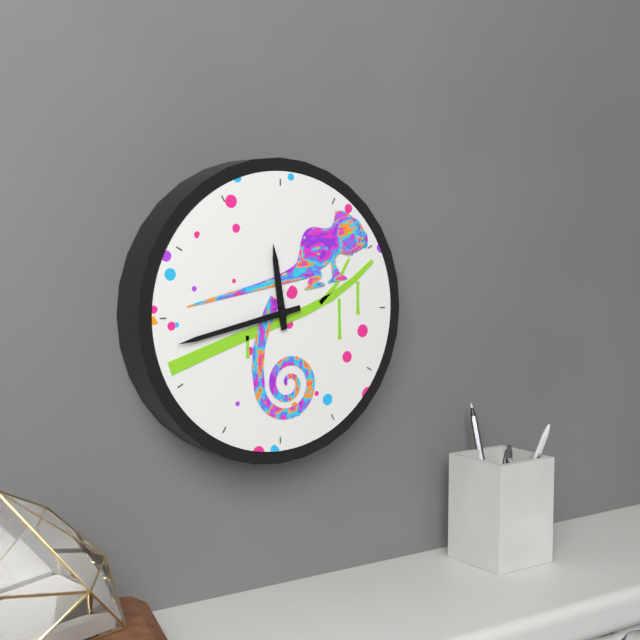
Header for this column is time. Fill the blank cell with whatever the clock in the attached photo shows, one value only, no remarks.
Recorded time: 11:43
